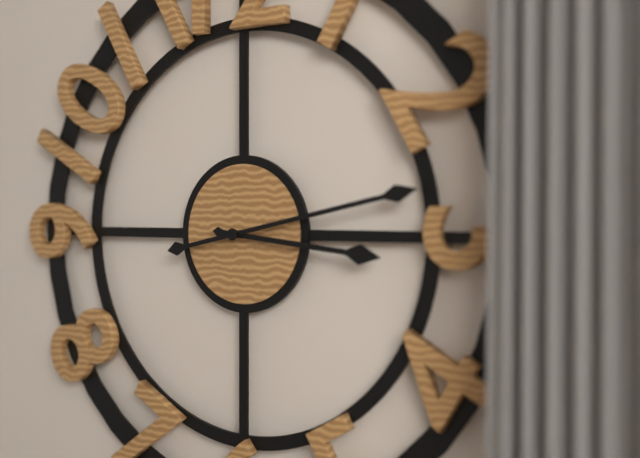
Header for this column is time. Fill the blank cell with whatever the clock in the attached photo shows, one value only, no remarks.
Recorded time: 3:13
